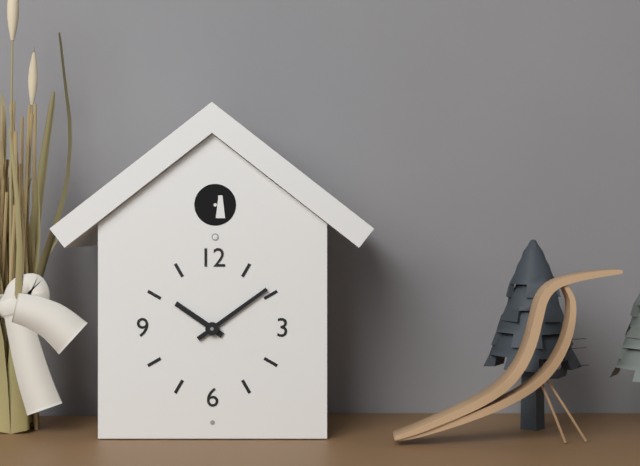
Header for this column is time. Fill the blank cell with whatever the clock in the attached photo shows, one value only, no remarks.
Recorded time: 10:09
